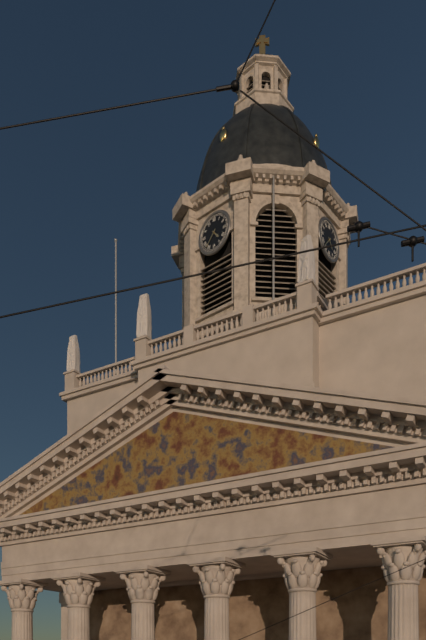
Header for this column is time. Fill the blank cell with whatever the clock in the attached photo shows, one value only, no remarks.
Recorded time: 4:37
